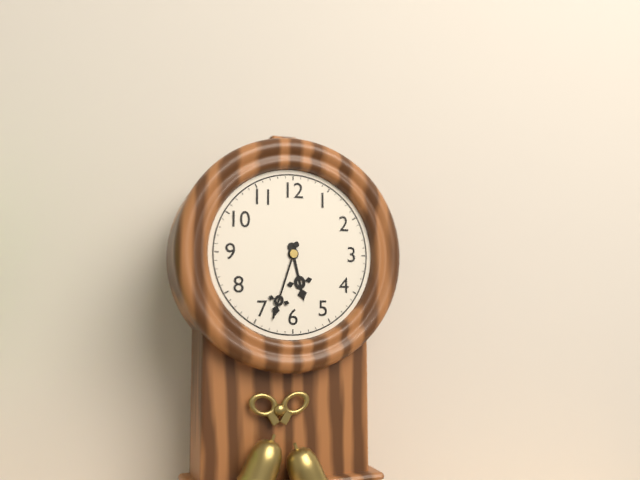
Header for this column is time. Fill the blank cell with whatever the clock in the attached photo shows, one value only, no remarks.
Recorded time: 5:33
